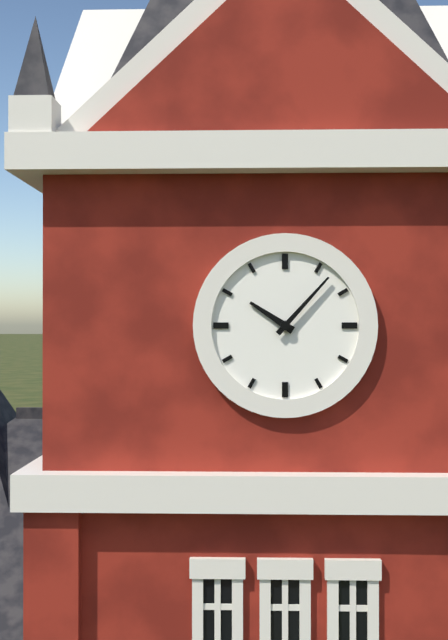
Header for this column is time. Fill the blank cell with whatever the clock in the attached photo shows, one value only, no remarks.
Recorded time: 10:07
